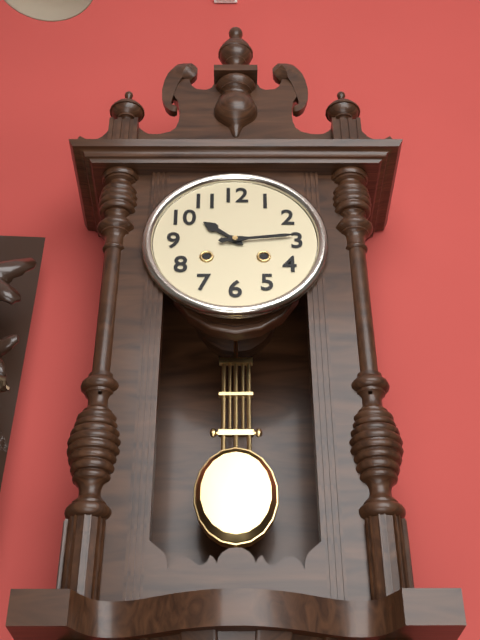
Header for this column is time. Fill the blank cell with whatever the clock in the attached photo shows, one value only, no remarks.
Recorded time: 10:14
